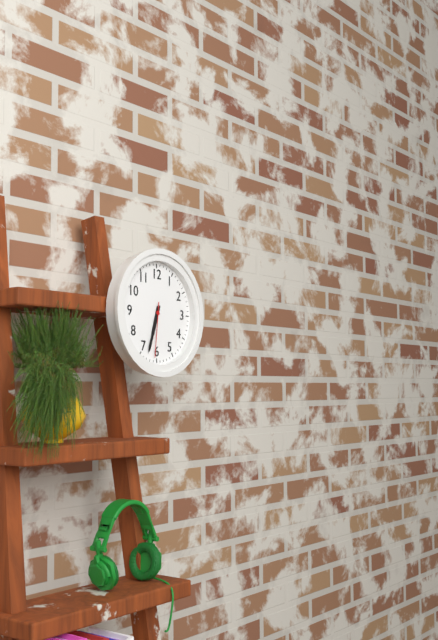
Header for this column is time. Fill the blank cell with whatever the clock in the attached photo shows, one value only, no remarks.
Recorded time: 6:33:31
